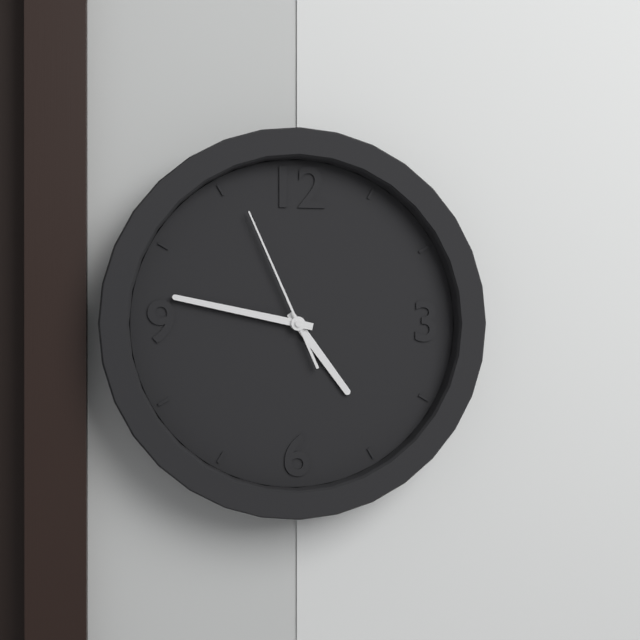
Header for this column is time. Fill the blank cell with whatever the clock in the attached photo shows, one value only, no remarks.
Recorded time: 4:47:56
